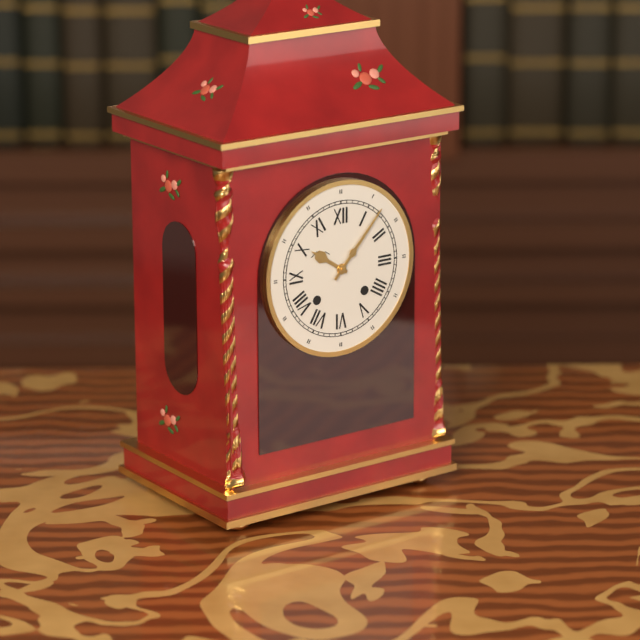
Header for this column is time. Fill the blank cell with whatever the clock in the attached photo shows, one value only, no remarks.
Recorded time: 10:07
